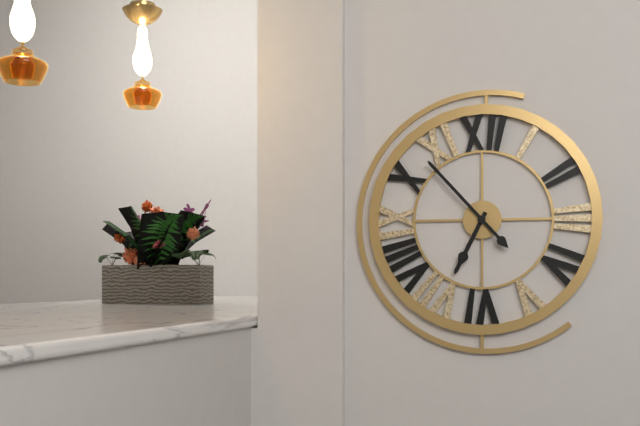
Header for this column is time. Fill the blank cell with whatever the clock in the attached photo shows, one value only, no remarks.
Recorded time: 6:53
